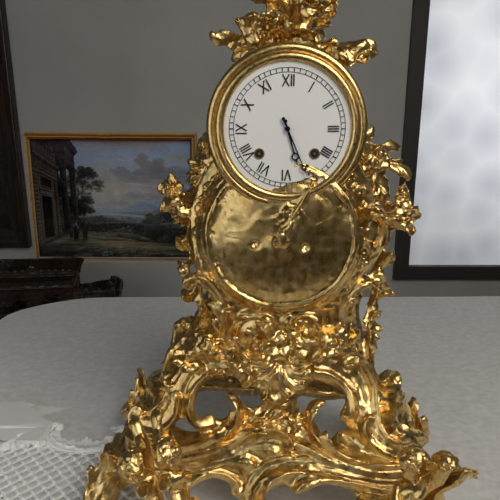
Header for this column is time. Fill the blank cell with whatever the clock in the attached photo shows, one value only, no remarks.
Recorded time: 5:26
